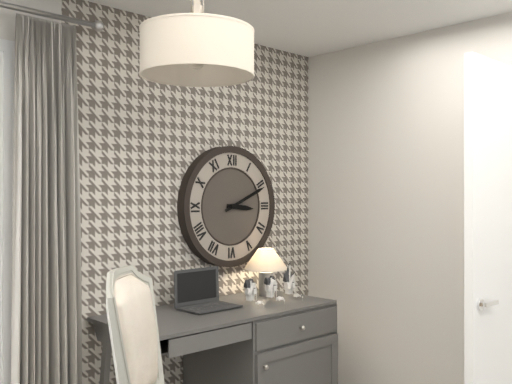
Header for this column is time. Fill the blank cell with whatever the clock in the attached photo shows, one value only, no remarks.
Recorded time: 3:11
